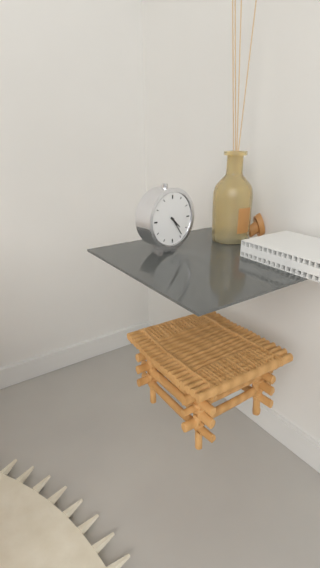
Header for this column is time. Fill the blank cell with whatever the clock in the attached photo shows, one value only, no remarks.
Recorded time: 4:24
